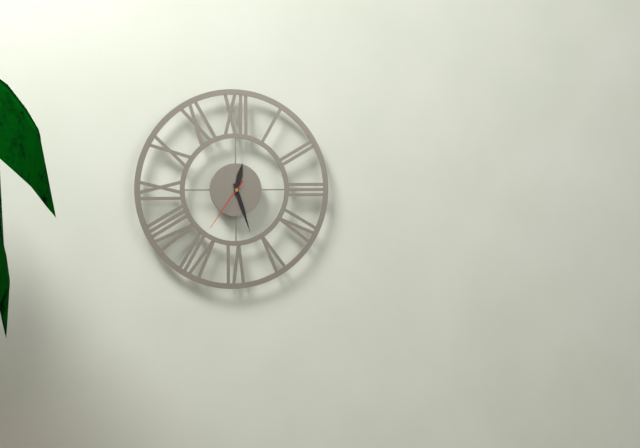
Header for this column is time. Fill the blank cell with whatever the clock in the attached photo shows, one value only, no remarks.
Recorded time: 12:27:36
